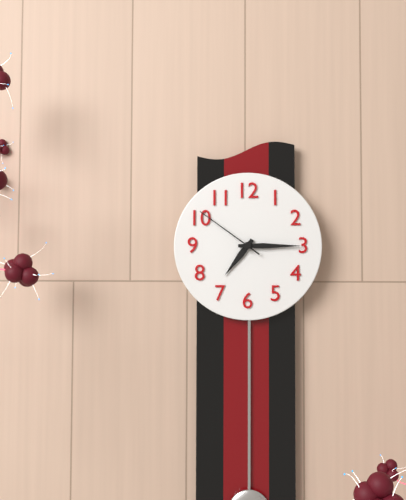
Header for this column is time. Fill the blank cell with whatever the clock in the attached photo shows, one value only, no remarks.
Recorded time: 7:15:51
